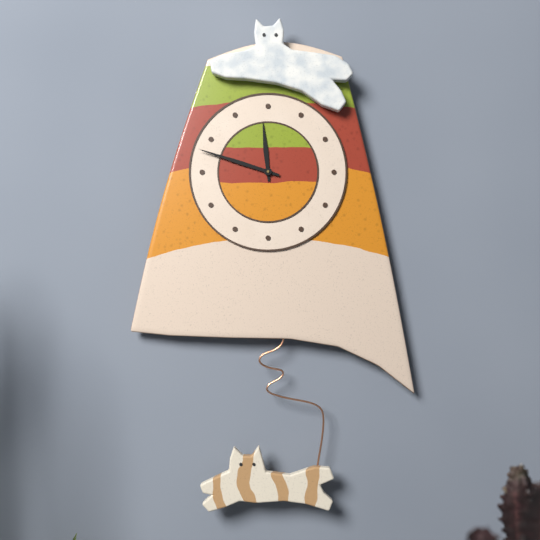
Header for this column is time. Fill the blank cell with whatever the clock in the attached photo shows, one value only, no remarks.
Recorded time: 11:48
